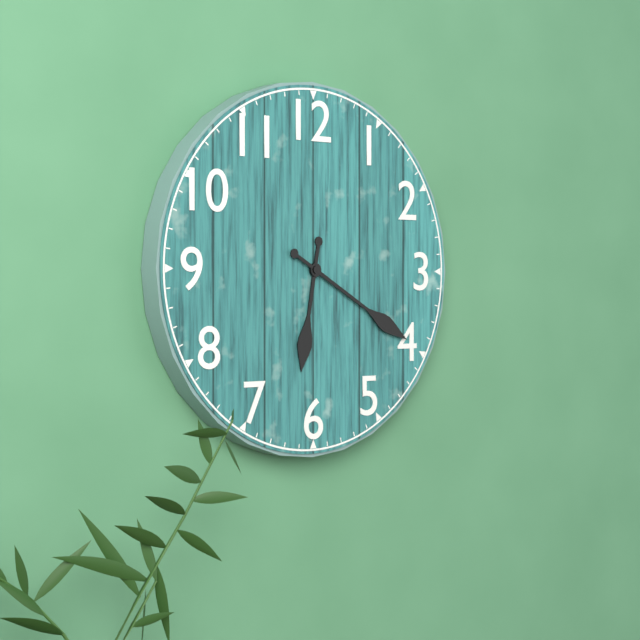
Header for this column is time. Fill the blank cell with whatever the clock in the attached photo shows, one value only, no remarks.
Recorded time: 6:20
